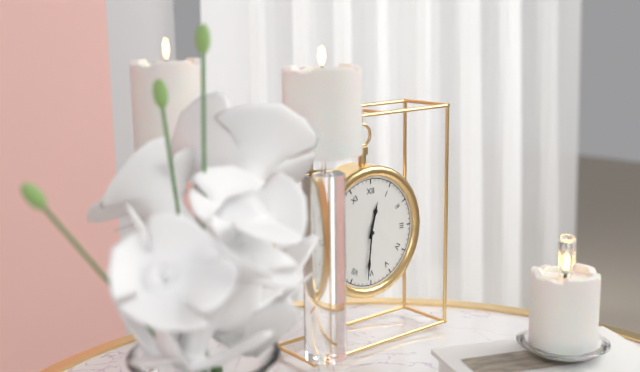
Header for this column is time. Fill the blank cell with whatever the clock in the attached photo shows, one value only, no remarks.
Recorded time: 12:31
